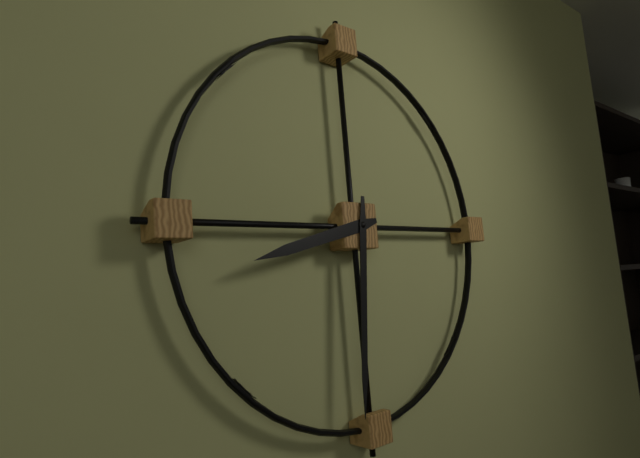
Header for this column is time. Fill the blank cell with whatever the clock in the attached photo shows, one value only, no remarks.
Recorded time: 8:31
